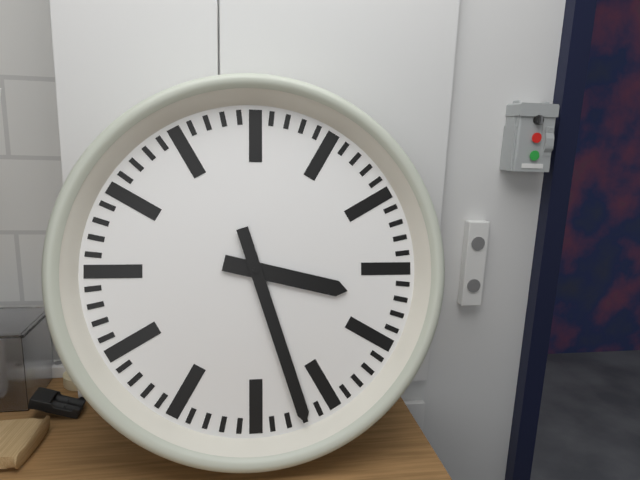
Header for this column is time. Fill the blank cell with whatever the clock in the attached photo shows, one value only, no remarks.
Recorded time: 3:27
